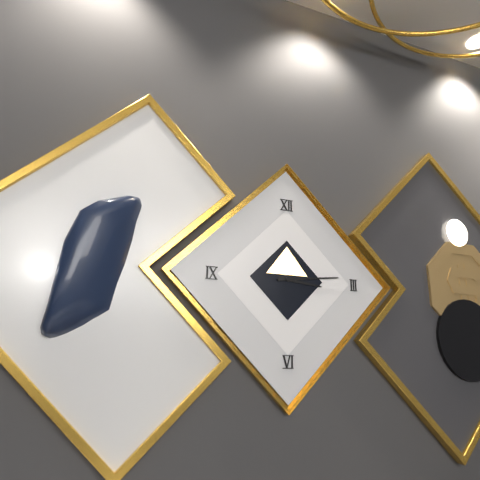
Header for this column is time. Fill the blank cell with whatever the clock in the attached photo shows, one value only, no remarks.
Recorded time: 3:14
